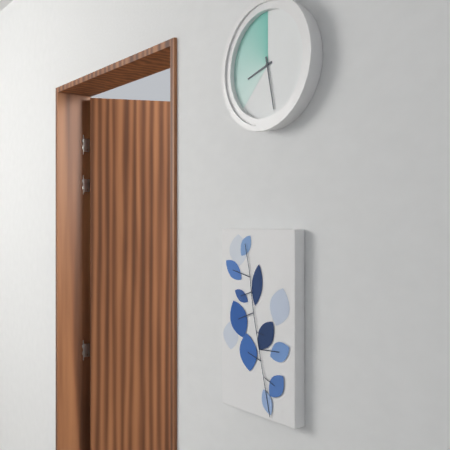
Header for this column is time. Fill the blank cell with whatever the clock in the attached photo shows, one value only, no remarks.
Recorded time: 8:28
